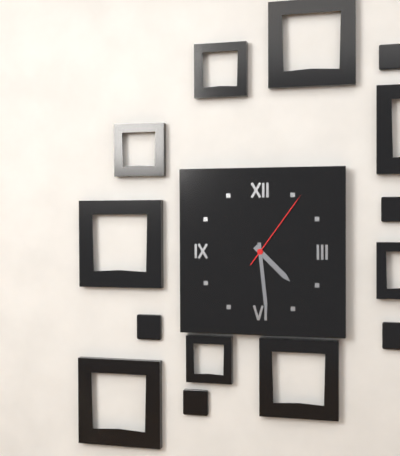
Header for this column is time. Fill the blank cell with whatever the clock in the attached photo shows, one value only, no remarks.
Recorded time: 4:29:06
